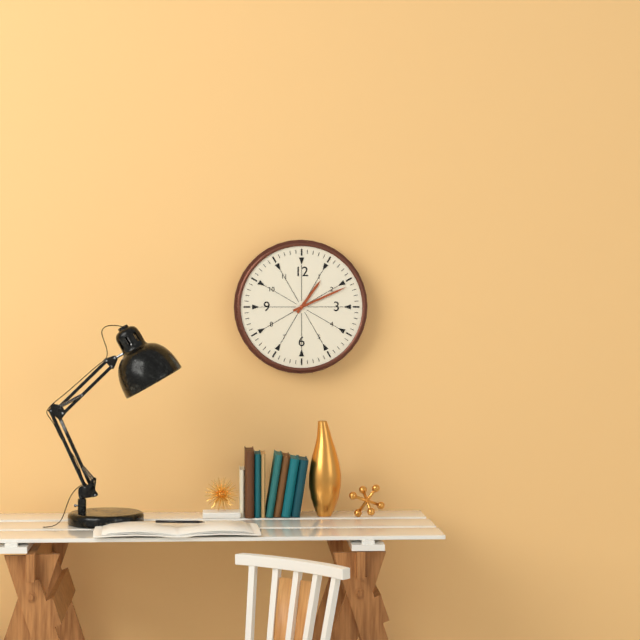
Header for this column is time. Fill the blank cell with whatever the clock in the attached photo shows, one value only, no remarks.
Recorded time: 1:11
